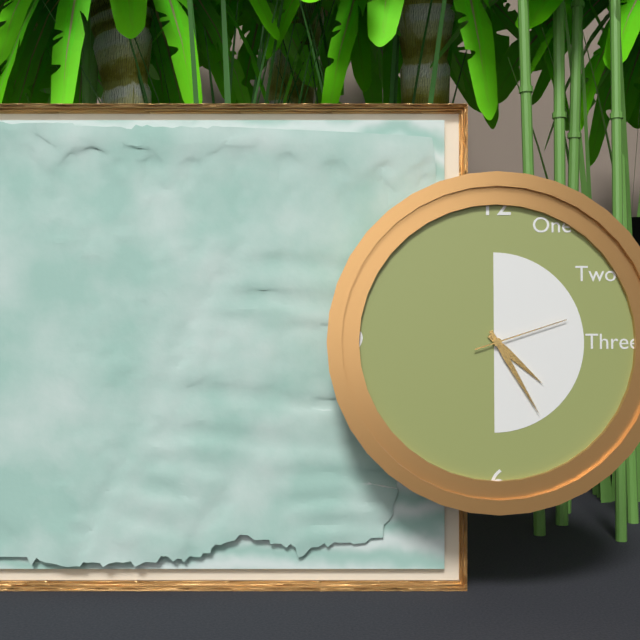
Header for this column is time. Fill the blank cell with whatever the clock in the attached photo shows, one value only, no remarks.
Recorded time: 4:25:12
